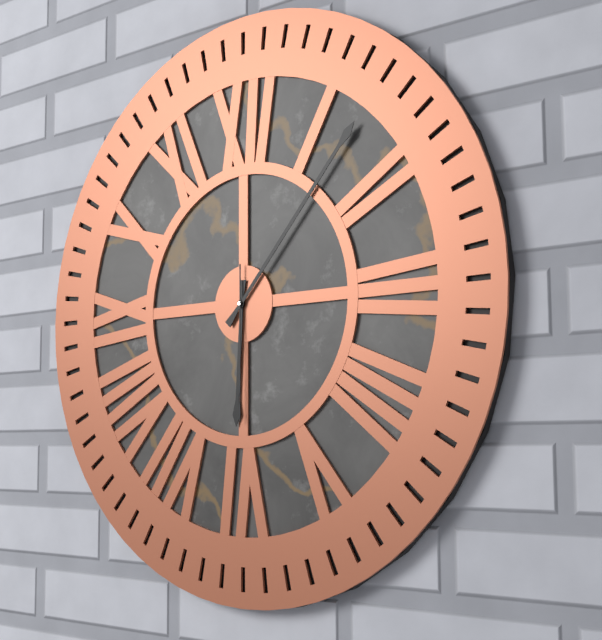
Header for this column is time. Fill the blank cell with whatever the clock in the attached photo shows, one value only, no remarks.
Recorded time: 6:07:30
